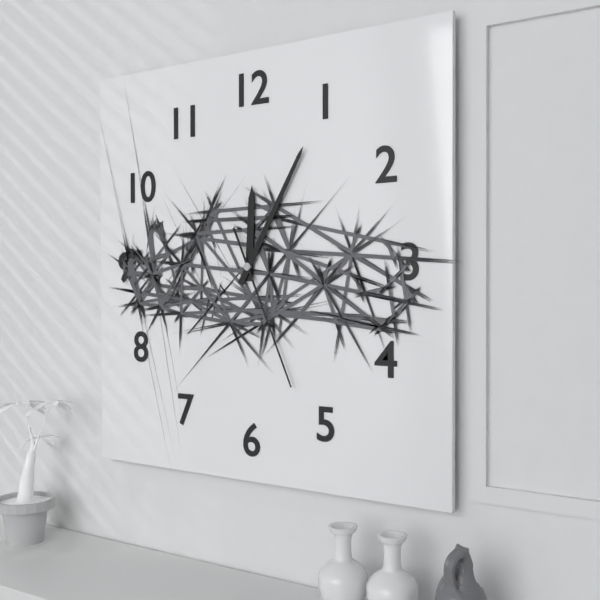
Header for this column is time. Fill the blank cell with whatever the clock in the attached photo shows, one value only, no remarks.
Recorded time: 12:05:26
